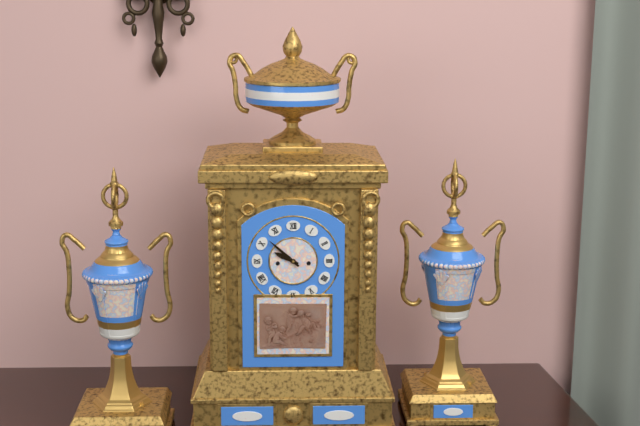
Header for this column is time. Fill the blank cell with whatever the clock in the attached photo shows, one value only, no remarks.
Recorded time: 9:52
